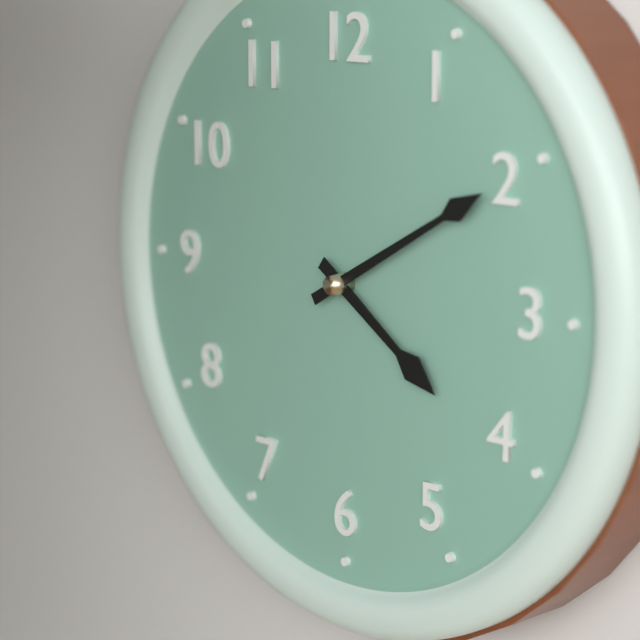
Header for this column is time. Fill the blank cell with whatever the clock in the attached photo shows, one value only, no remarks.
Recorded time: 4:10
